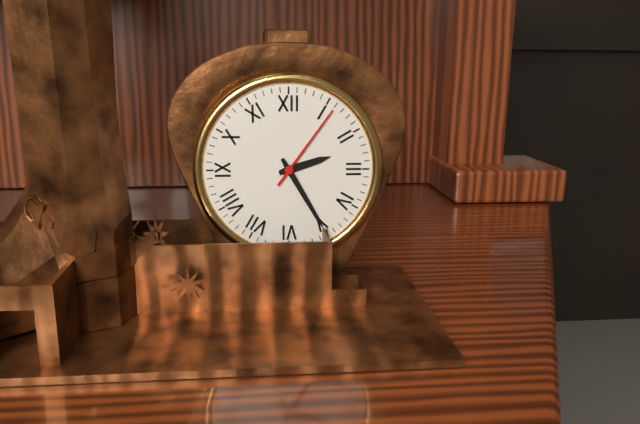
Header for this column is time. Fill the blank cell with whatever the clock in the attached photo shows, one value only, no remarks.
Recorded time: 2:25:06
